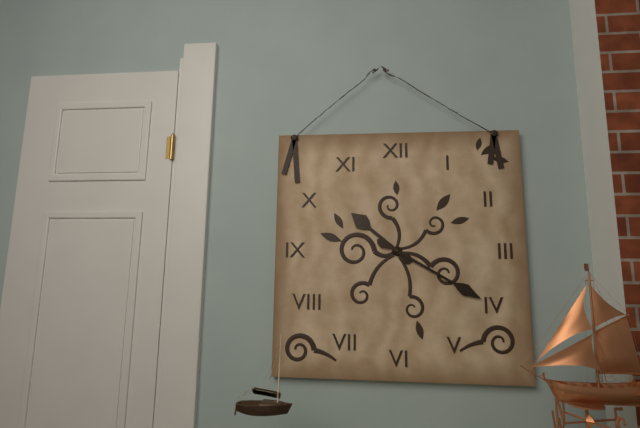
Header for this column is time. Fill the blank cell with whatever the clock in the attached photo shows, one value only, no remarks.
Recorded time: 10:20
